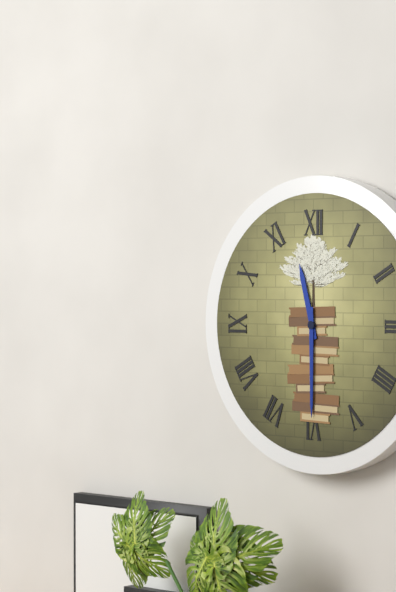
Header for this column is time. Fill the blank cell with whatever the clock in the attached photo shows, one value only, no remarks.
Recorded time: 11:30
